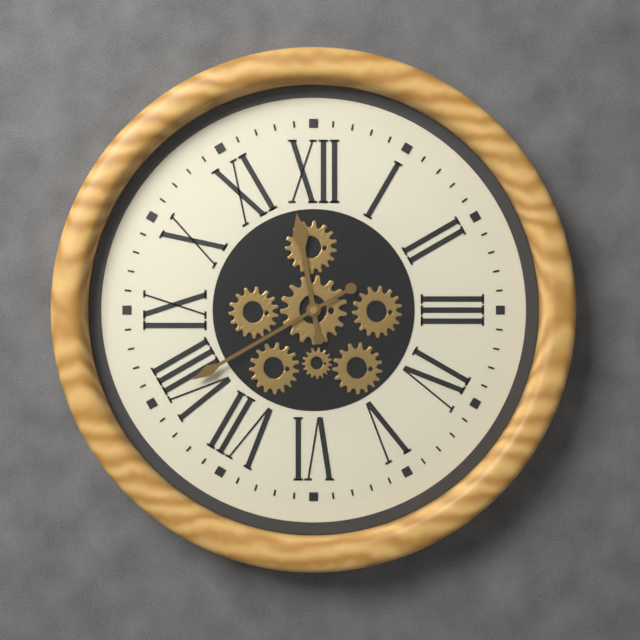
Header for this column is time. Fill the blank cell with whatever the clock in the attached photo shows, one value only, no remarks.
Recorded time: 11:40
